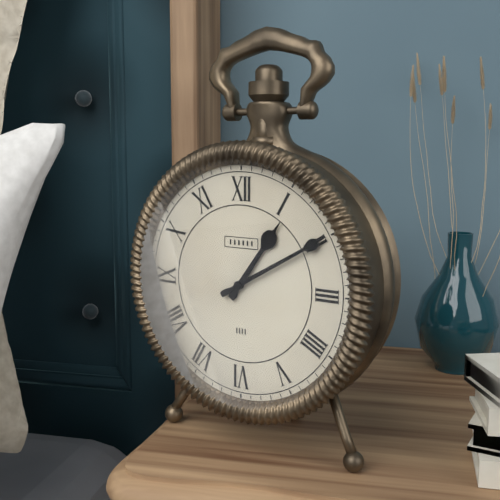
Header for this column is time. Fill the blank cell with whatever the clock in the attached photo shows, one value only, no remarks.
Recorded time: 1:10
